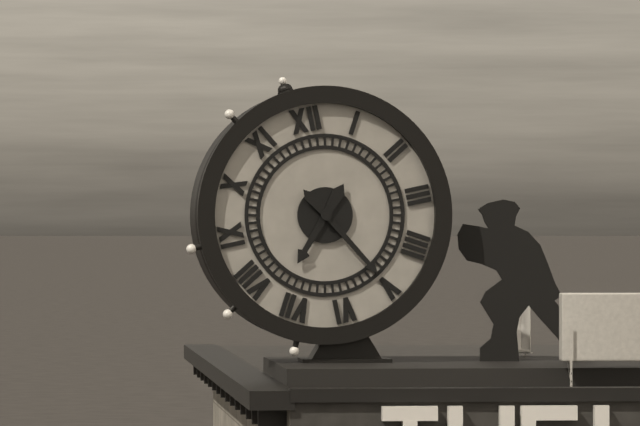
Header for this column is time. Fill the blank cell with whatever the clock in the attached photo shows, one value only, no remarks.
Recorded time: 7:25
